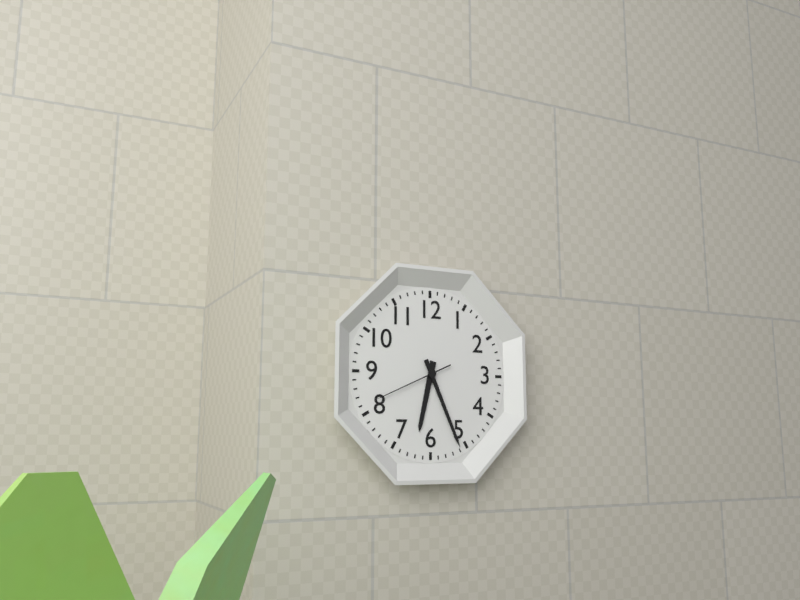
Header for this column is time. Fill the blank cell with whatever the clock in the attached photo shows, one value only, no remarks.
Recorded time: 6:26:41
